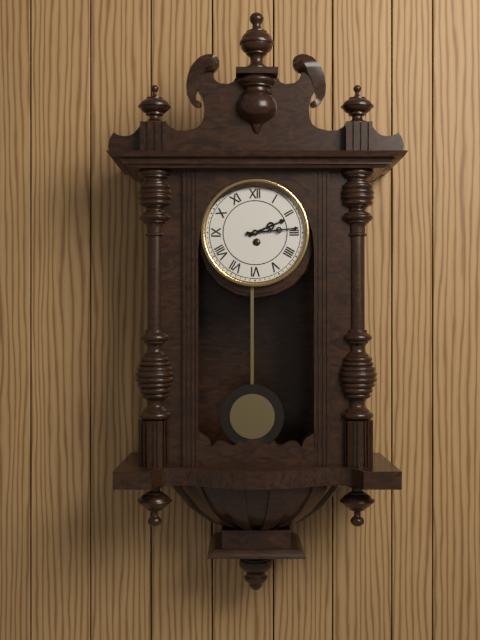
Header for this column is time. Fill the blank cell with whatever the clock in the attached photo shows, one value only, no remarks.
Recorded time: 2:14
